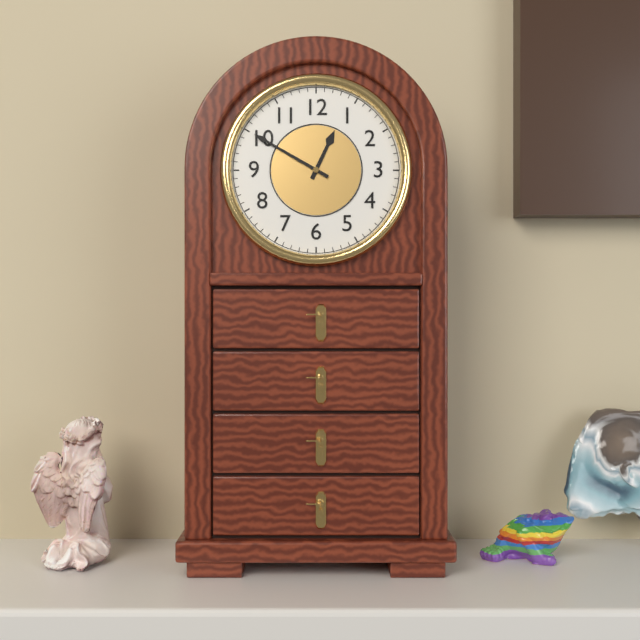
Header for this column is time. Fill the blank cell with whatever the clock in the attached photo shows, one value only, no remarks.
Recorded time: 12:50
